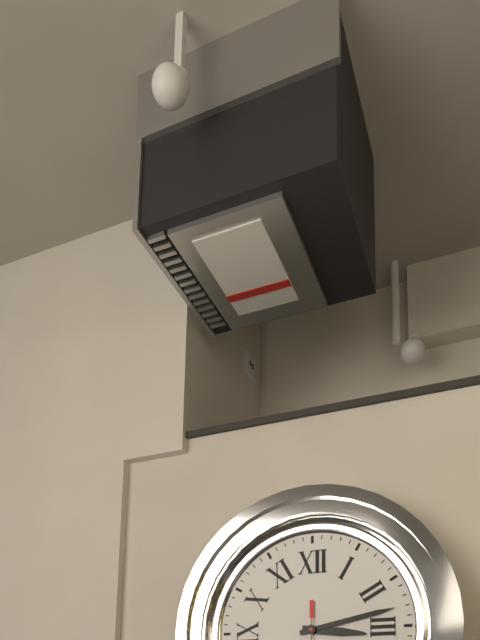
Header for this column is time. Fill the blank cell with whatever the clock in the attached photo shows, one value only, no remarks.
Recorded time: 3:13
